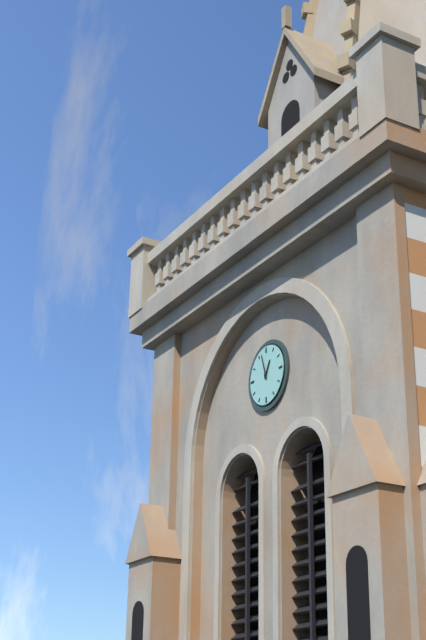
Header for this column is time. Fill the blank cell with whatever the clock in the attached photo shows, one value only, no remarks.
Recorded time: 12:57
